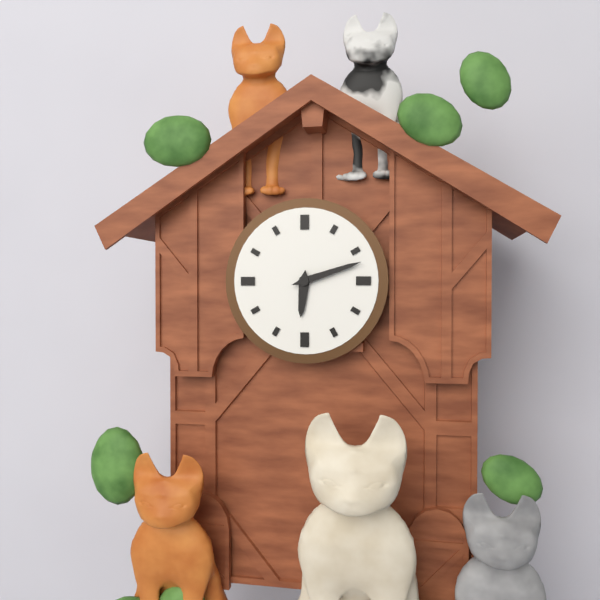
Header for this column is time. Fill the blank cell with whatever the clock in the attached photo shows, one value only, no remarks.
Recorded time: 6:12
